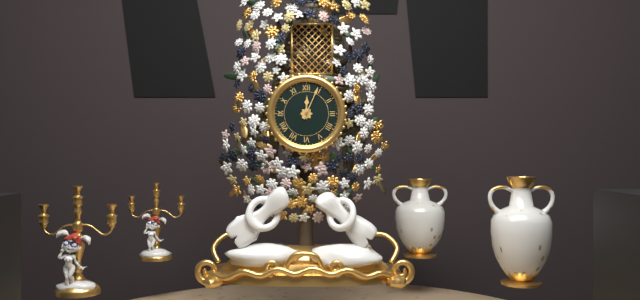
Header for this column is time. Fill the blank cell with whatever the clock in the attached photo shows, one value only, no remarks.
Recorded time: 12:04
